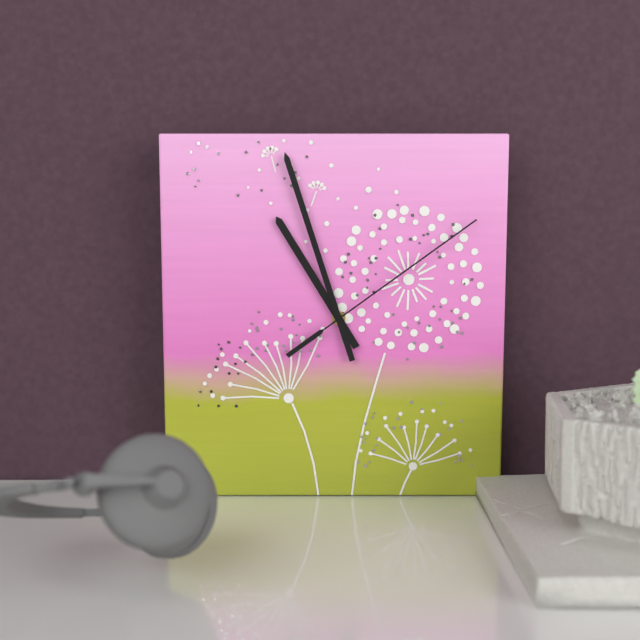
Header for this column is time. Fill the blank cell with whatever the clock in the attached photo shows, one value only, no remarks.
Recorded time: 10:57:09
